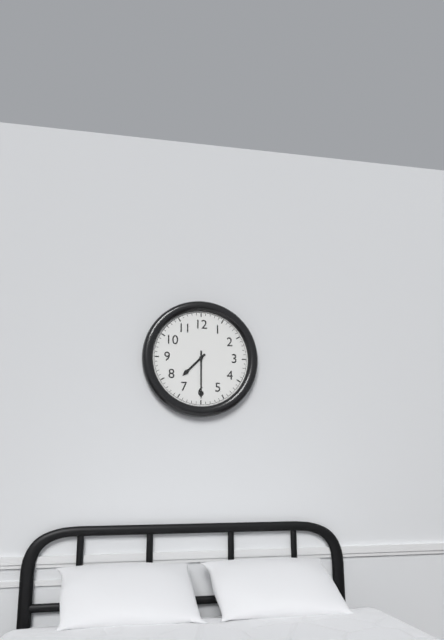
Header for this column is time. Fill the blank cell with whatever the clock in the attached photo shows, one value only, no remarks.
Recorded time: 7:30
